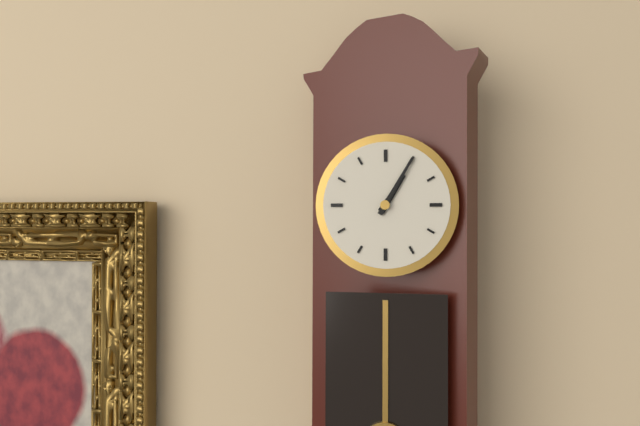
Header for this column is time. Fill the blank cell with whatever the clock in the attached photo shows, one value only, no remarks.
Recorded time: 1:05
